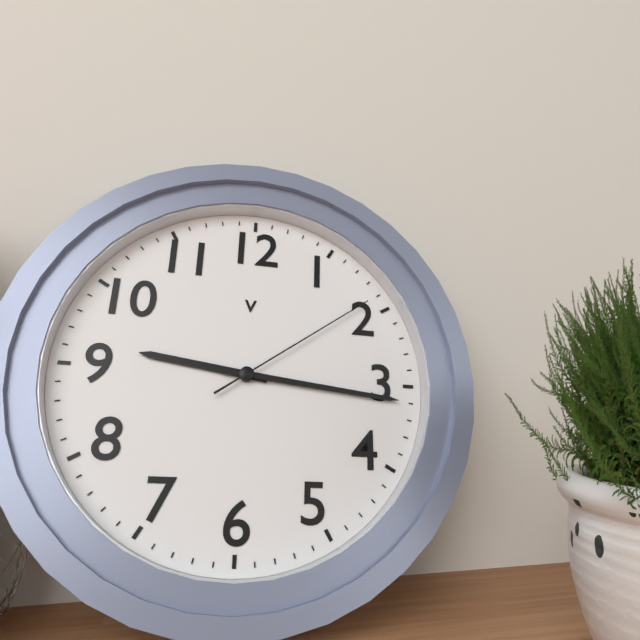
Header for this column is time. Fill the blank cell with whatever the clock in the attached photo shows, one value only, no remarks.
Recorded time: 9:16:09
